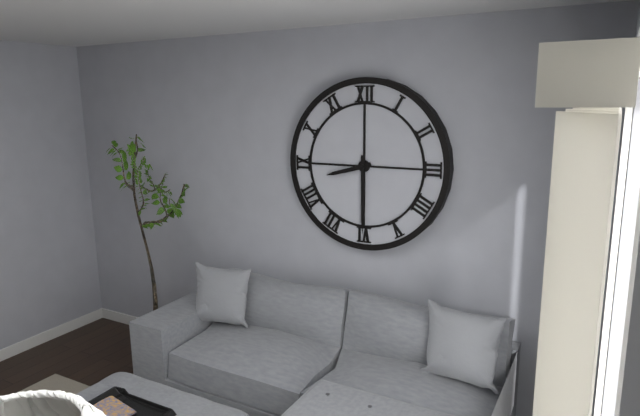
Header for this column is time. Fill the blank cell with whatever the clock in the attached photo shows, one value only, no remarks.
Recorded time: 8:30
